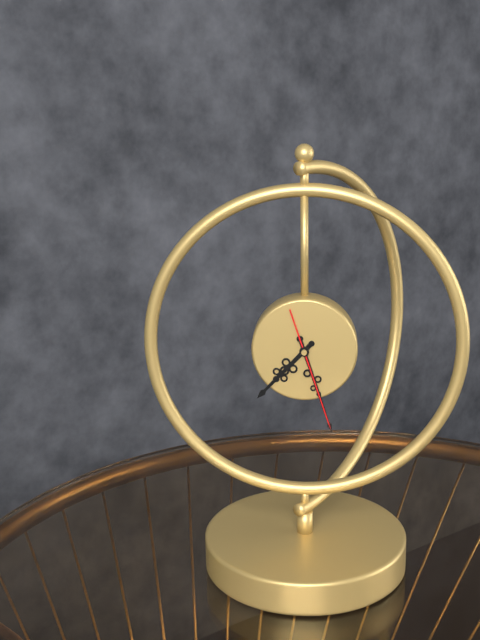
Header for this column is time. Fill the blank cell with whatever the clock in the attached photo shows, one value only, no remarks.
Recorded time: 7:27:27
